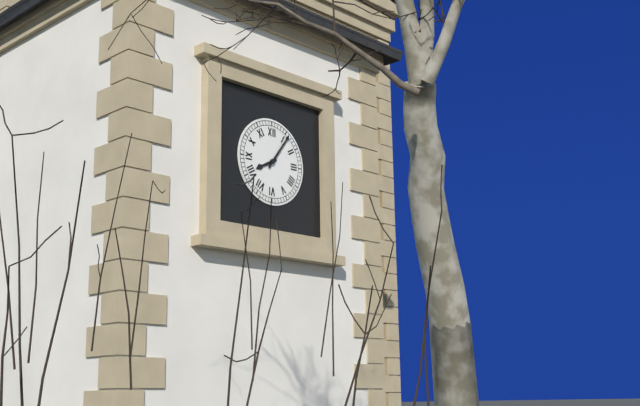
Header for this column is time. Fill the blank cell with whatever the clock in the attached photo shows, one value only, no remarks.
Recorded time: 8:06
